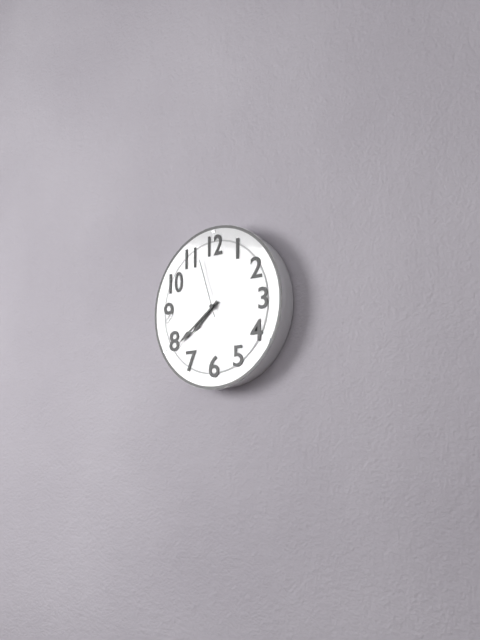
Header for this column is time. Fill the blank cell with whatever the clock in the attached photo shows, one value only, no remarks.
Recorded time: 7:39:57
